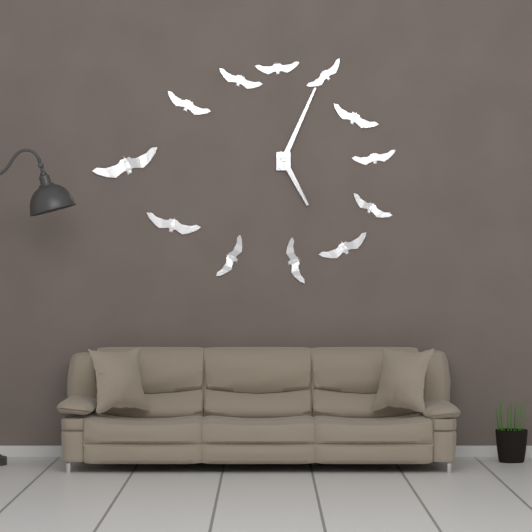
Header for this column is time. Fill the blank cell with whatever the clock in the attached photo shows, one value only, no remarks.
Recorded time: 5:04
